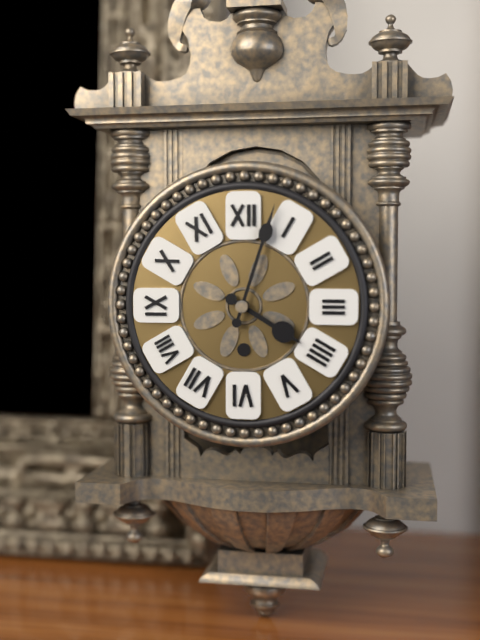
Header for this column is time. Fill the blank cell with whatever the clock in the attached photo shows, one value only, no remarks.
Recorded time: 4:03
